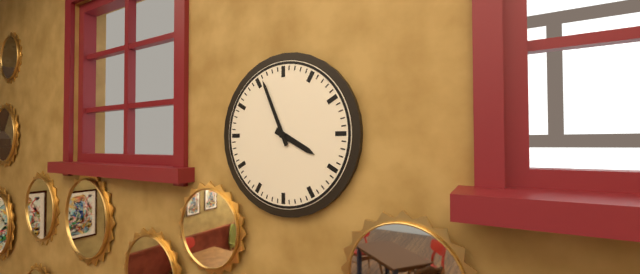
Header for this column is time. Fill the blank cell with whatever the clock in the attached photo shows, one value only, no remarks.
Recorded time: 3:56
